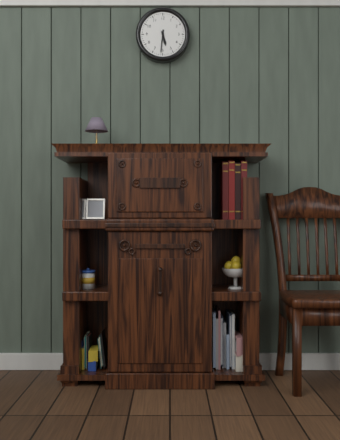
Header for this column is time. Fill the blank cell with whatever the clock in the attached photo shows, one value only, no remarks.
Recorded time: 5:31
